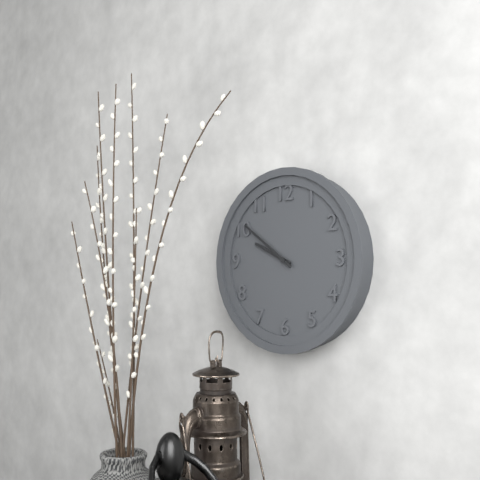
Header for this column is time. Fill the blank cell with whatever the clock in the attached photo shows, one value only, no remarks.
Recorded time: 9:51
